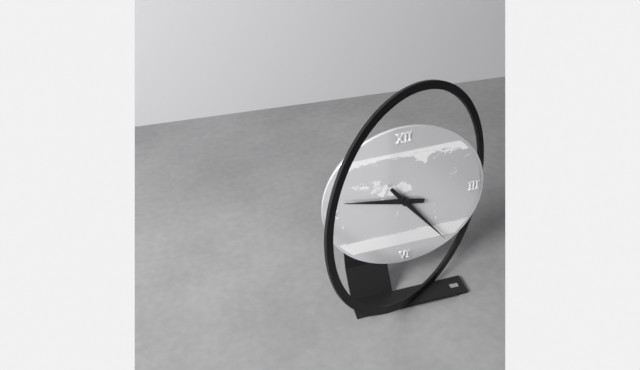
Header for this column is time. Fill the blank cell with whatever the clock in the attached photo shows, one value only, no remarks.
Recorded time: 9:24
